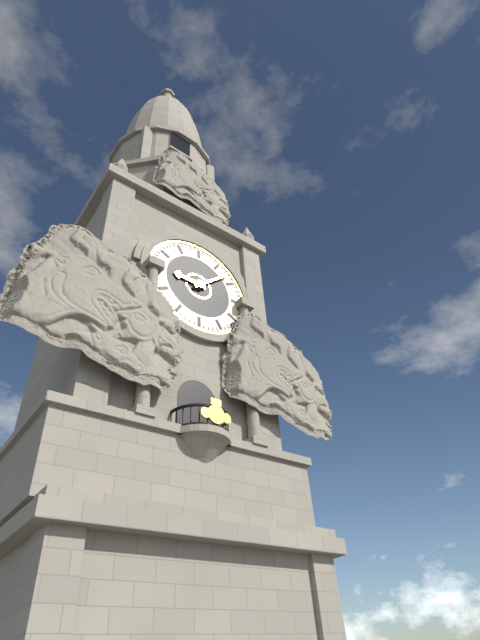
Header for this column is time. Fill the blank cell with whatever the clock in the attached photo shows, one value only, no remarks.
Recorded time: 9:08
